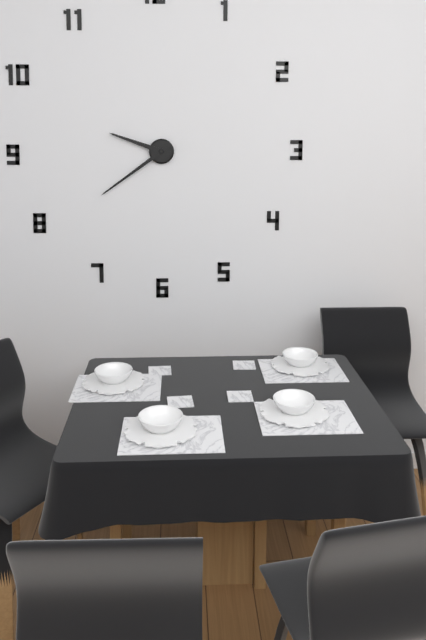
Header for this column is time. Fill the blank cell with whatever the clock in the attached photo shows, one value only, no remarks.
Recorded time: 9:39
